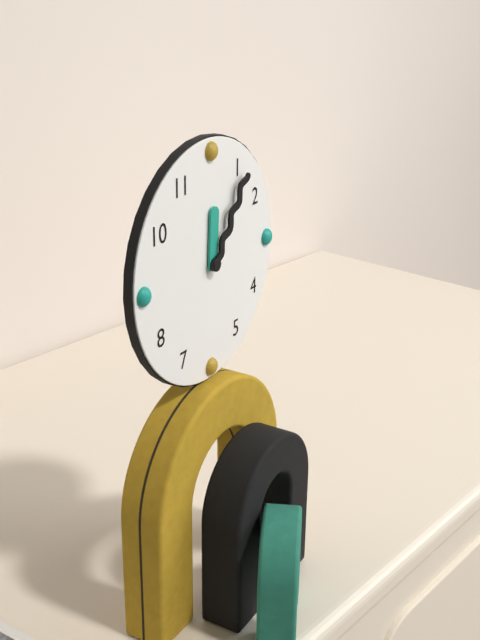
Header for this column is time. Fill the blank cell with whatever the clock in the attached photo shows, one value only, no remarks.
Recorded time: 12:06
